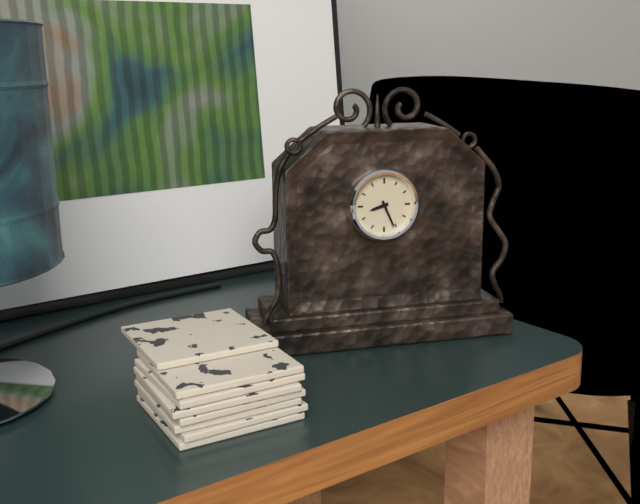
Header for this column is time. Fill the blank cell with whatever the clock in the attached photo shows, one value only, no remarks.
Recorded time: 8:26
